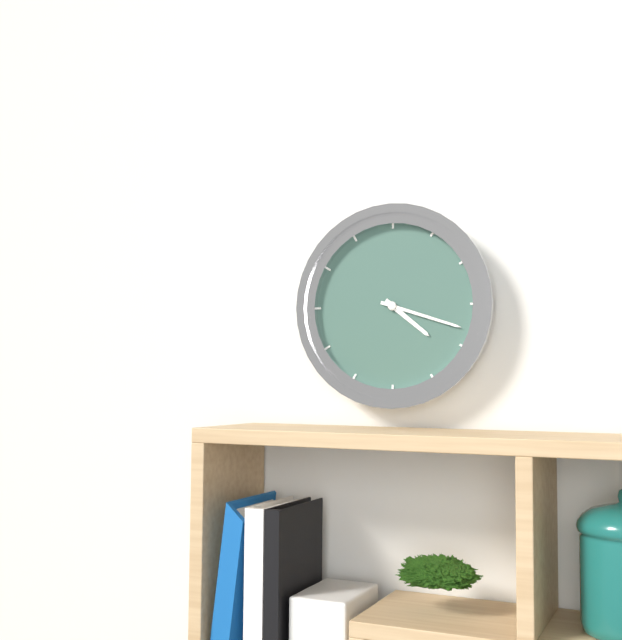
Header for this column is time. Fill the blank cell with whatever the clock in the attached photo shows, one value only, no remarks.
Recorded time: 4:18
